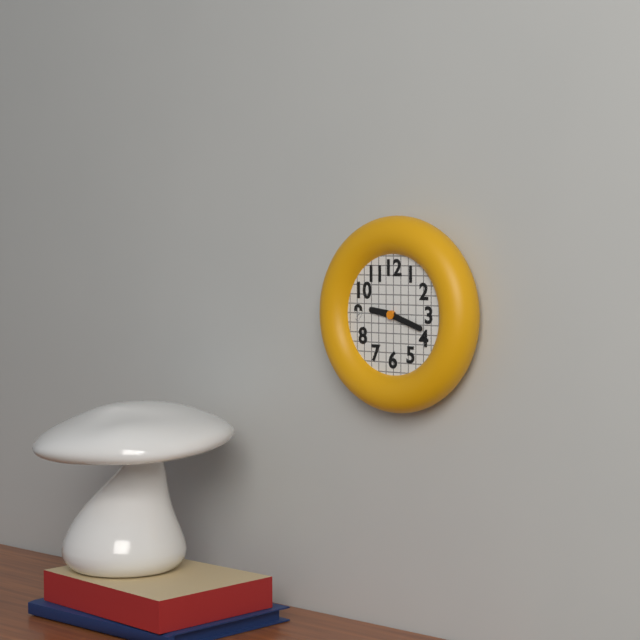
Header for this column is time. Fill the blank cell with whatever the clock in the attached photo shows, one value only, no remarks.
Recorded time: 9:18
